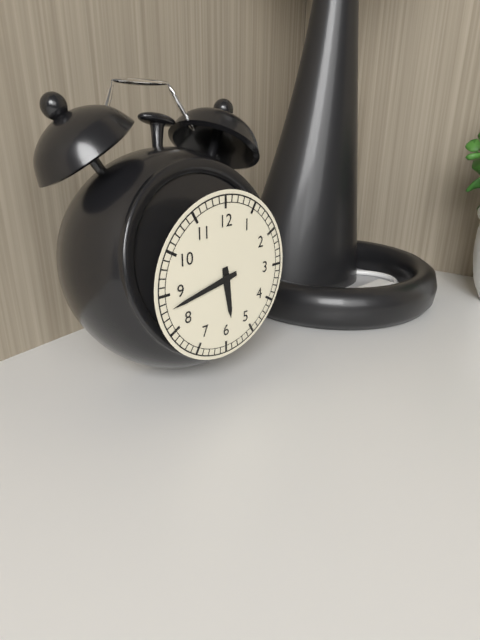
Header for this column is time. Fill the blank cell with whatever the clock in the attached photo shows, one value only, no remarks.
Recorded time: 5:43
